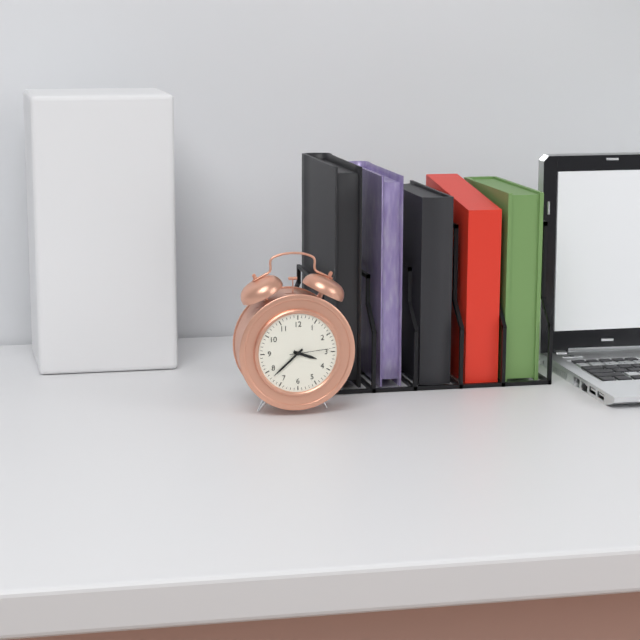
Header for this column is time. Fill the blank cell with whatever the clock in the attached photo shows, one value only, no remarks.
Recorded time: 3:38
